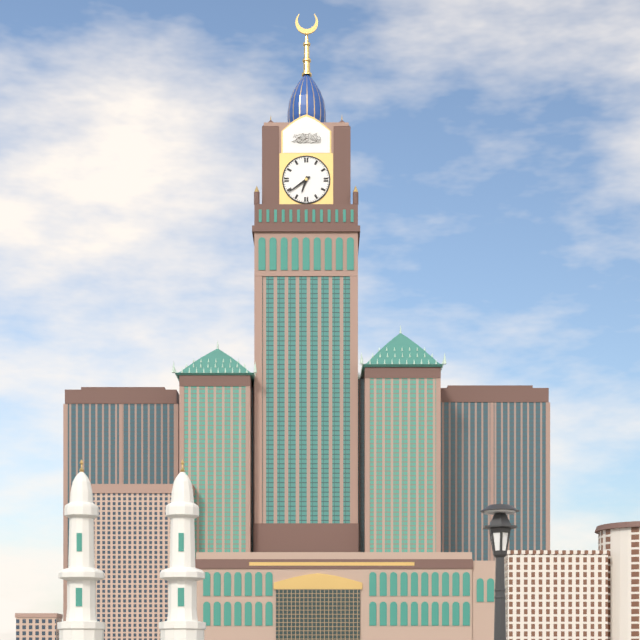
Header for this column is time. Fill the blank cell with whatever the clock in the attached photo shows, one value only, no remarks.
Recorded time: 6:39
